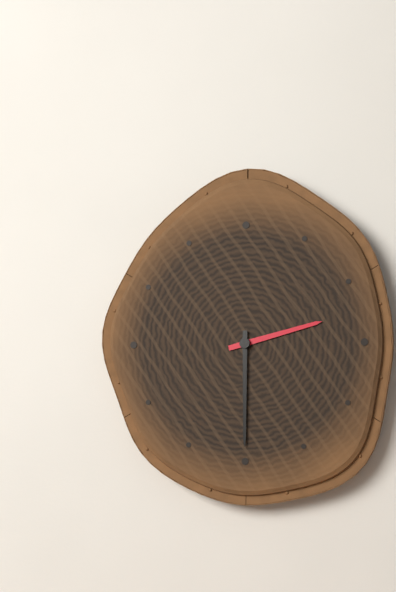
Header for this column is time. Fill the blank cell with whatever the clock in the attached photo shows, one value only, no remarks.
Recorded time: 2:30
